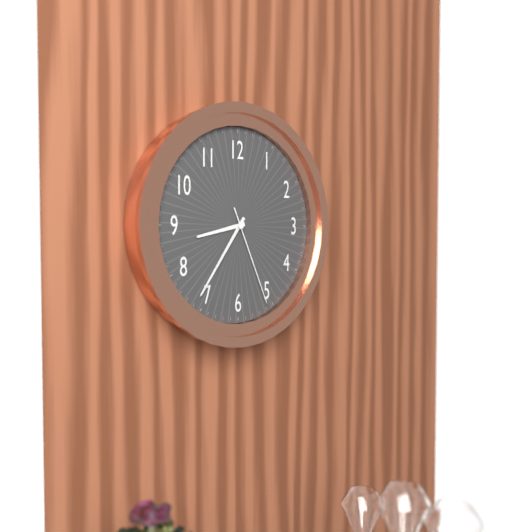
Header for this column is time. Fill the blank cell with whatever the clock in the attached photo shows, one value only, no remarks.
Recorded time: 8:36:26
